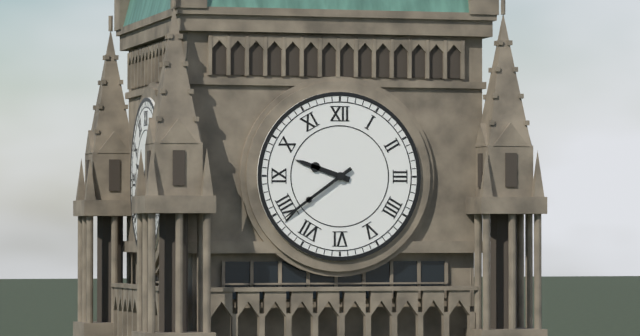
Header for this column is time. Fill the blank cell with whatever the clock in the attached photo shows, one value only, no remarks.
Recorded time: 9:39
